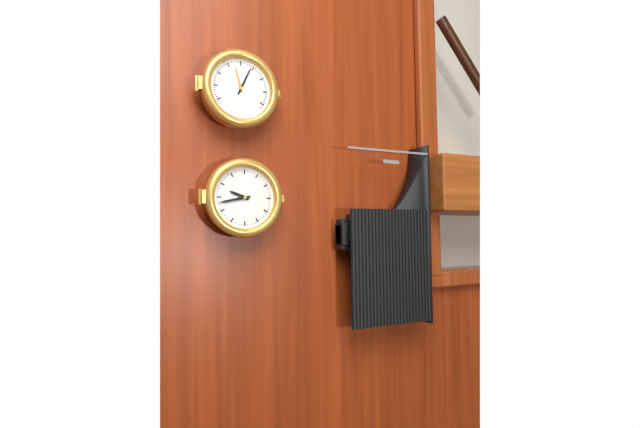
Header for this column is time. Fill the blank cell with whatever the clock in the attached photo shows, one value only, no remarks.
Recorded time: 9:43
